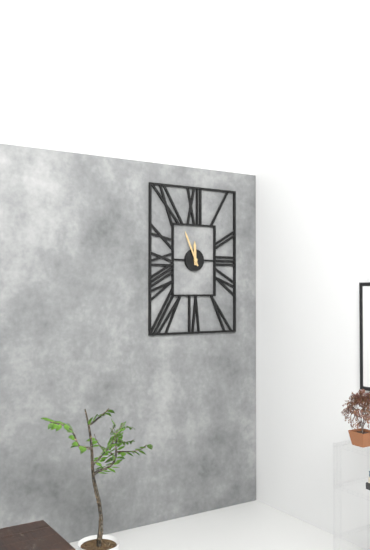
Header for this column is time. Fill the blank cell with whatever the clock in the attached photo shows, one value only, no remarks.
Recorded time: 11:56
